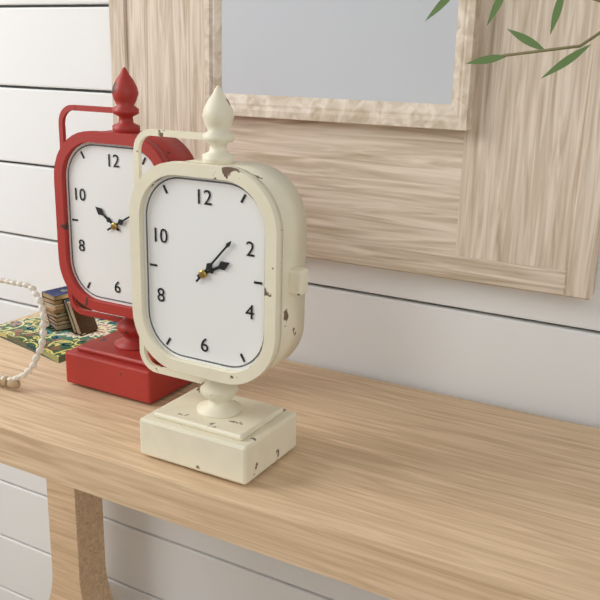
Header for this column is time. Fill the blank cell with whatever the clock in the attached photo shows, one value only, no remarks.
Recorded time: 2:07
